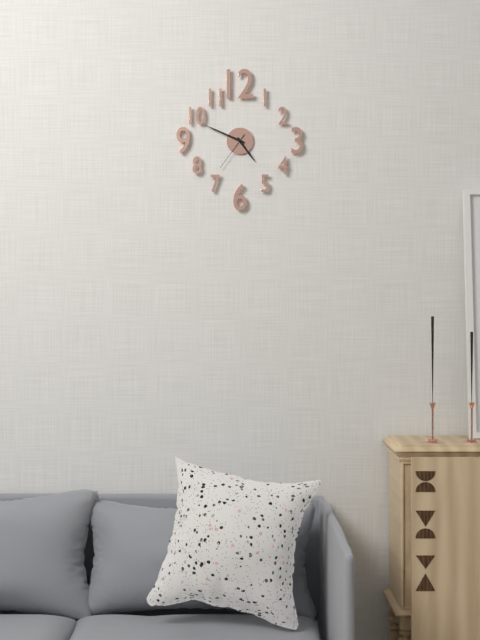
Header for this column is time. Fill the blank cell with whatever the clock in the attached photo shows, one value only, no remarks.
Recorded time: 4:49
